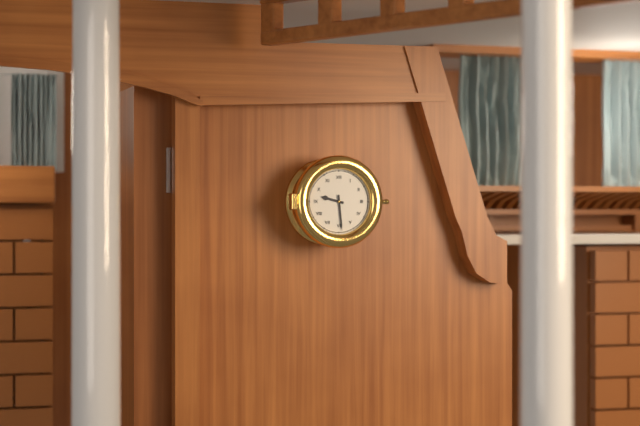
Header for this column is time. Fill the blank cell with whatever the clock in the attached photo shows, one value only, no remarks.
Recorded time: 9:29
